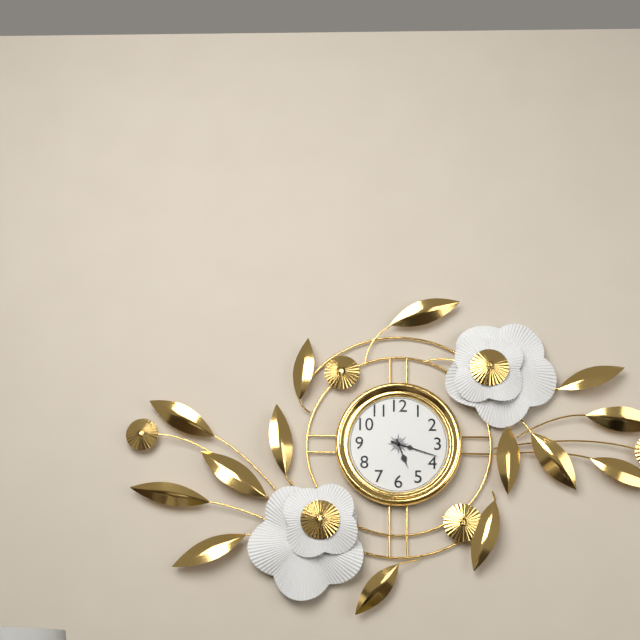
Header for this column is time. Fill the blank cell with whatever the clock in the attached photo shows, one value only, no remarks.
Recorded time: 5:18
